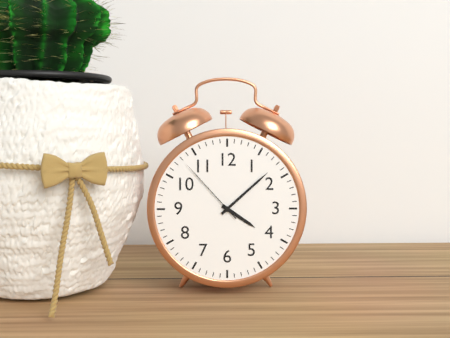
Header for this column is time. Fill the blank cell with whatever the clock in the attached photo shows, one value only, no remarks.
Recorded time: 4:08:53
